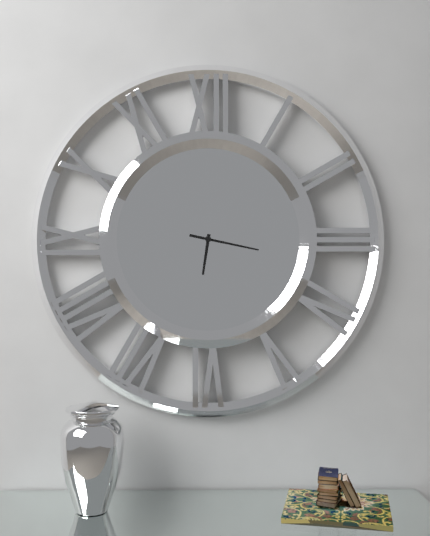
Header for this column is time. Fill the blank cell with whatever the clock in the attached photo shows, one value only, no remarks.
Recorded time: 6:17
